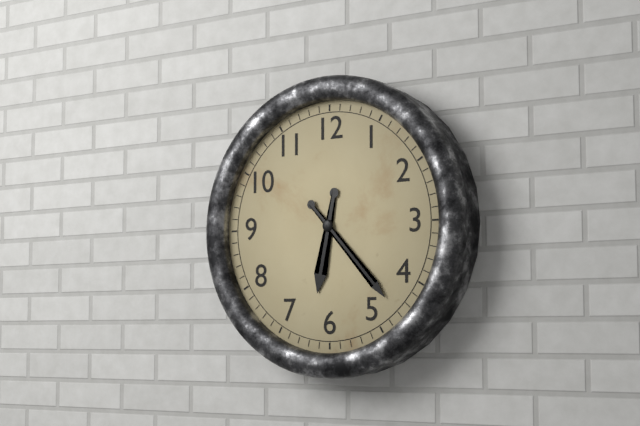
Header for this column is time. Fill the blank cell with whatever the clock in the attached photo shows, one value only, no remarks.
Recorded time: 6:23
